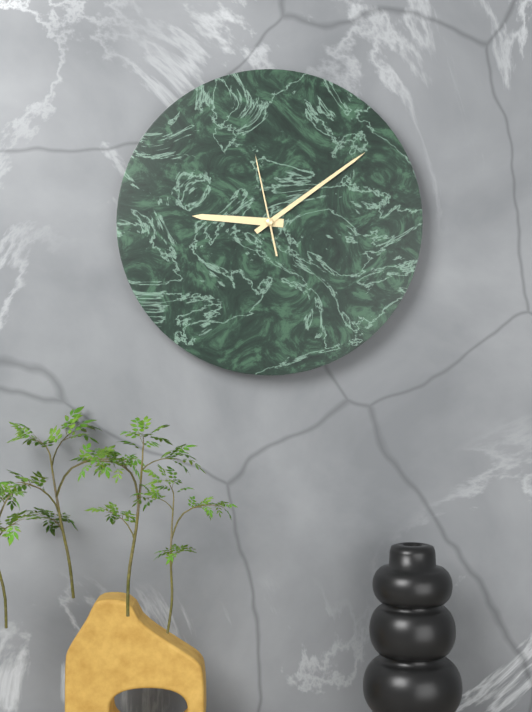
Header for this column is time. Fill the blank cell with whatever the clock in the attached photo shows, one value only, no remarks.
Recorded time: 9:09:58
